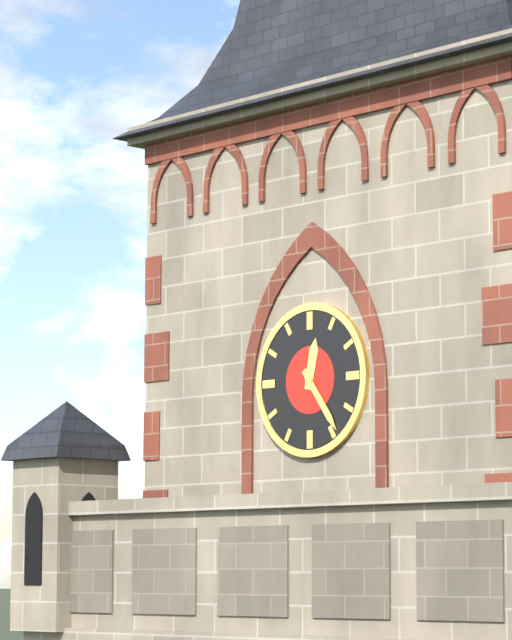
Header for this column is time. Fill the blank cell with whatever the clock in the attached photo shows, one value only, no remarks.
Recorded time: 12:24
